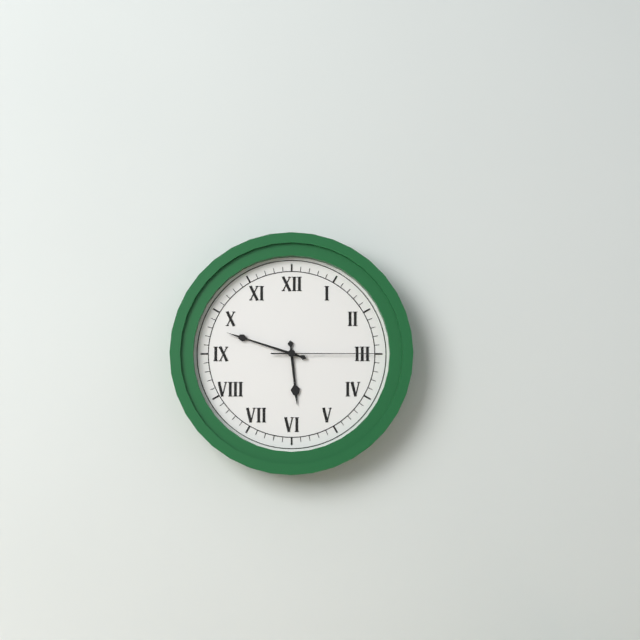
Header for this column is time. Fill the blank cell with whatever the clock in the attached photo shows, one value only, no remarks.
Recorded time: 5:48:15
